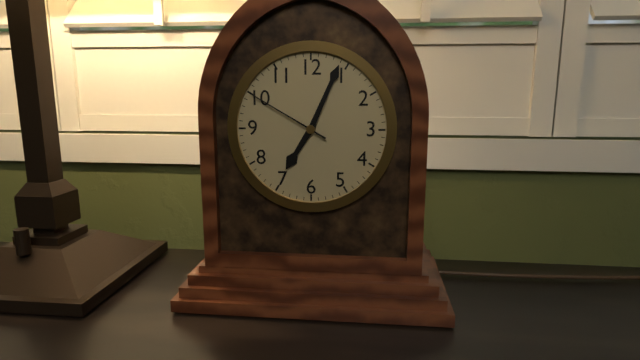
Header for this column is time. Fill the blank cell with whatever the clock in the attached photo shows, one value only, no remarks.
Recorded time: 7:04:50
